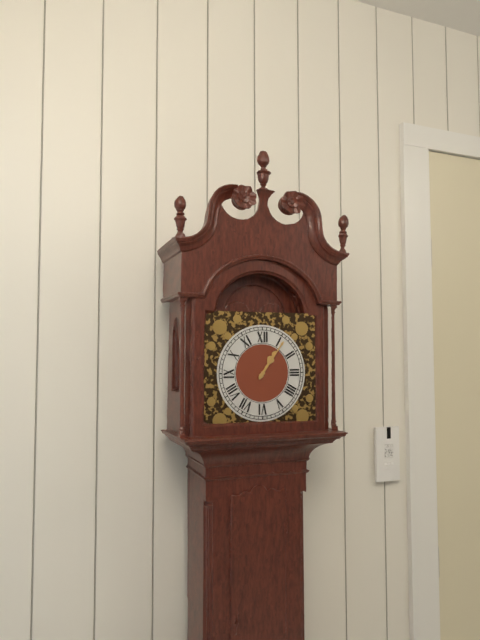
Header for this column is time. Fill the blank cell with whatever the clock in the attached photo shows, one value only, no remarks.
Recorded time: 1:06
